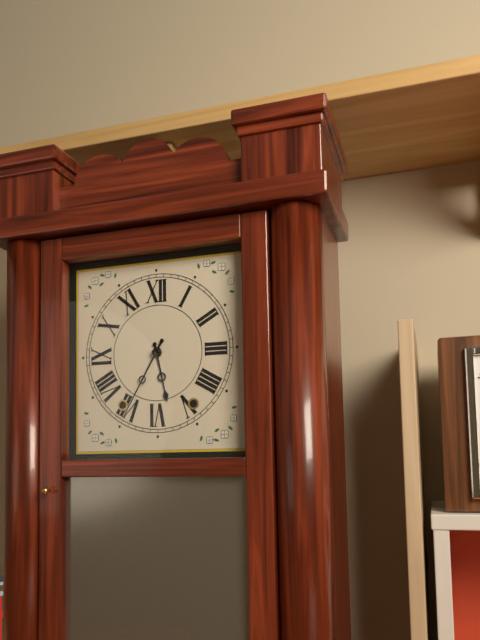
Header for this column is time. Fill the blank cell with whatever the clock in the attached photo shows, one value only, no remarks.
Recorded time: 5:35
